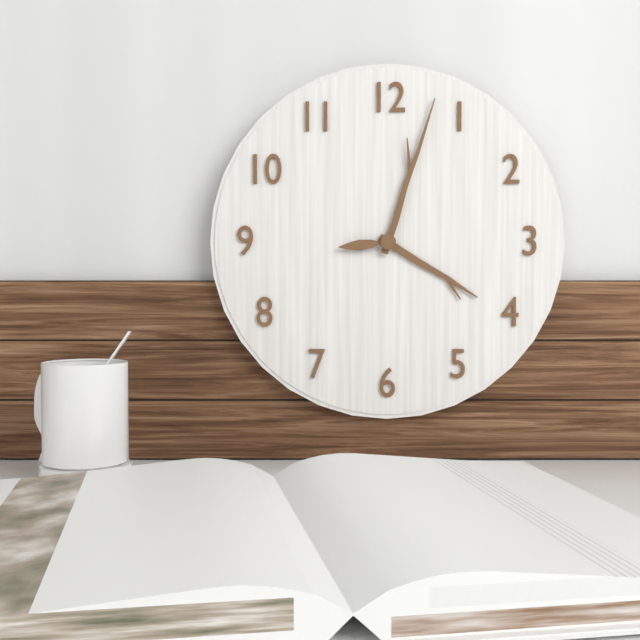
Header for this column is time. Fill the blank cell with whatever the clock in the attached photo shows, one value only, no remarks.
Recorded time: 4:03:44
